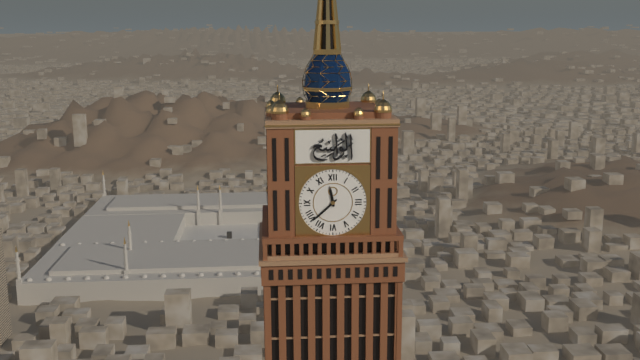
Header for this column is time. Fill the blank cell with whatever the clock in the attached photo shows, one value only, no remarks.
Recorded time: 11:38
